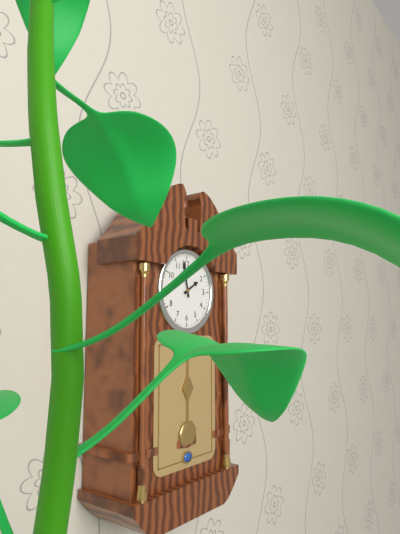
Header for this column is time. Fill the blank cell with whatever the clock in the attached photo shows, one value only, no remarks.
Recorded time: 1:58
